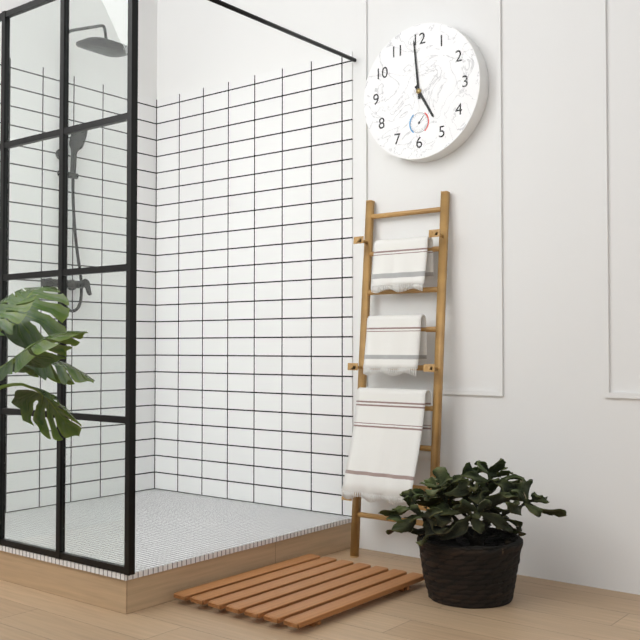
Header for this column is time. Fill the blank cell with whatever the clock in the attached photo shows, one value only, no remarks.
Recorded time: 4:59
